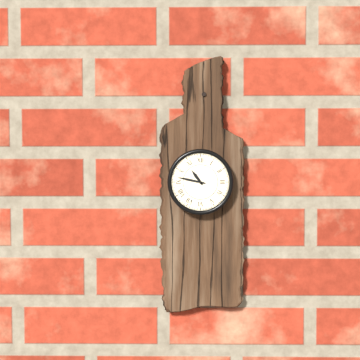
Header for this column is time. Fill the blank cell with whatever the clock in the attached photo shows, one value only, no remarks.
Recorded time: 10:47
